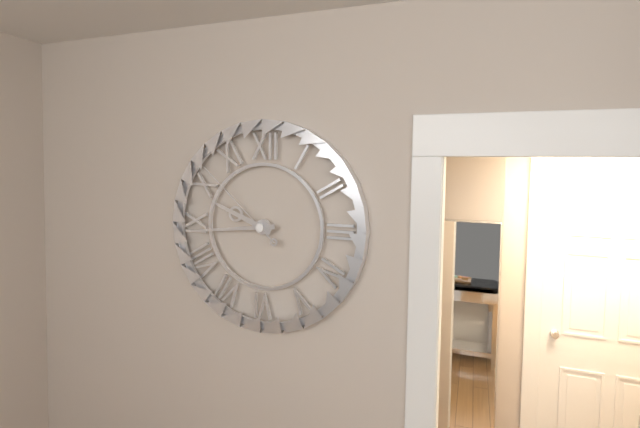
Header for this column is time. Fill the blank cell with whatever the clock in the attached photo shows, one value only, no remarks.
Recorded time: 9:44:52
